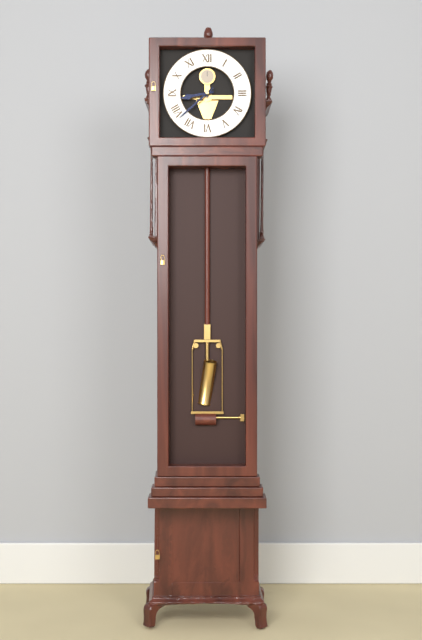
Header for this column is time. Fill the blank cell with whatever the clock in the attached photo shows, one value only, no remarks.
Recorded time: 8:38
